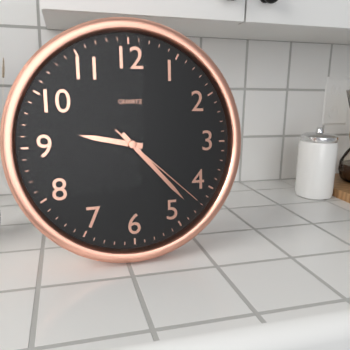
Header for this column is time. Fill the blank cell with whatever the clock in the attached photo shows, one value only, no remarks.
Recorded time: 9:23:22
